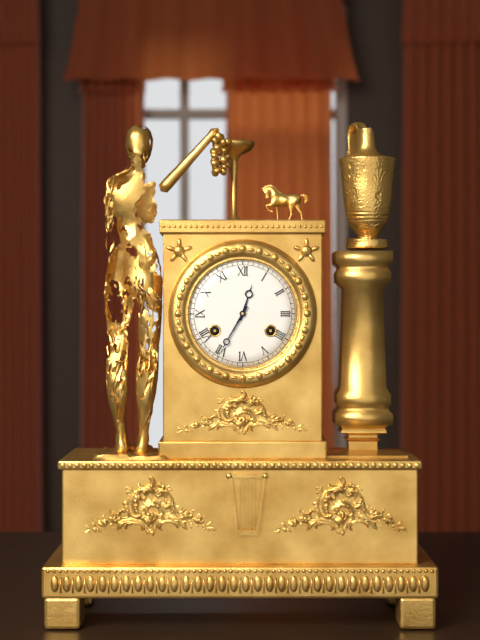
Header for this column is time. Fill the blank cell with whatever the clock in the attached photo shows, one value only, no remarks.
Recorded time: 12:35
